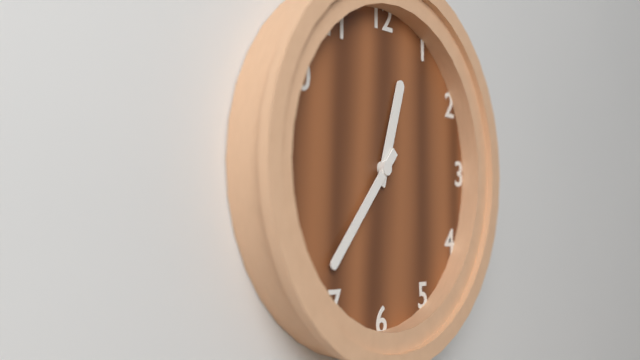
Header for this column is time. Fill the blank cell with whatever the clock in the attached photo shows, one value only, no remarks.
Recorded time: 12:37
